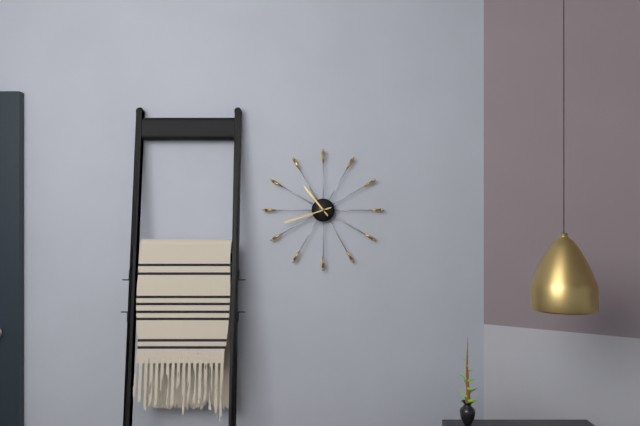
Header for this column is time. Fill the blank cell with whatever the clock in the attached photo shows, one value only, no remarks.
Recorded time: 10:42
